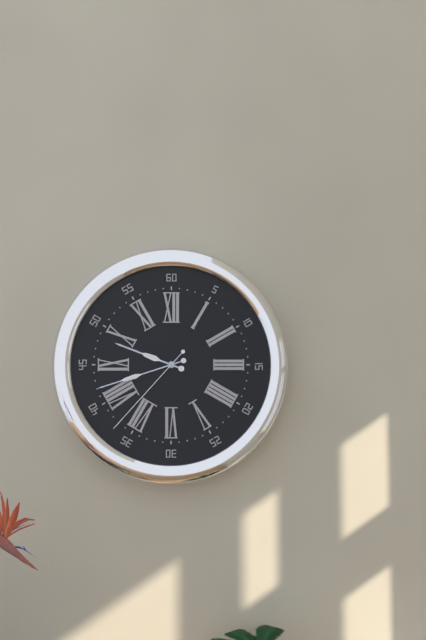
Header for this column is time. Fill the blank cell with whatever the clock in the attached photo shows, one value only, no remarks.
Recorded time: 9:42:37
